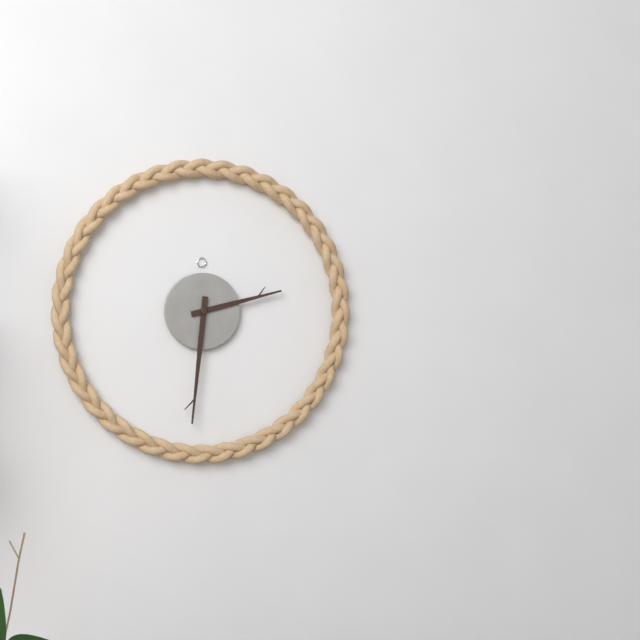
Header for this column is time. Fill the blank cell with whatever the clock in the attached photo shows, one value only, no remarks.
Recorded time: 2:31
